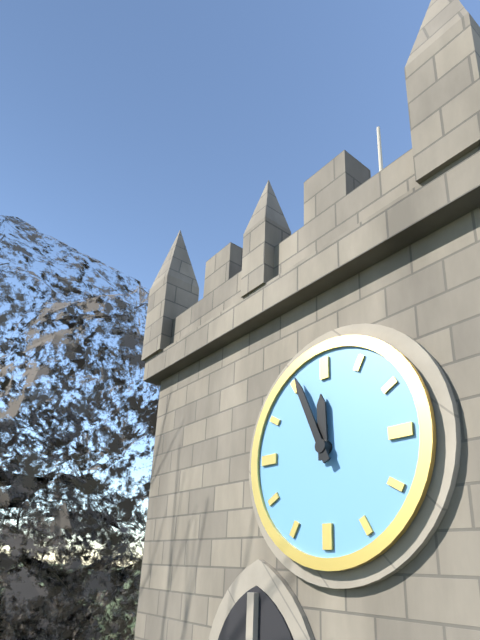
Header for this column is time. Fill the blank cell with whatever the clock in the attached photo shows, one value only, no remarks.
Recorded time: 11:56
